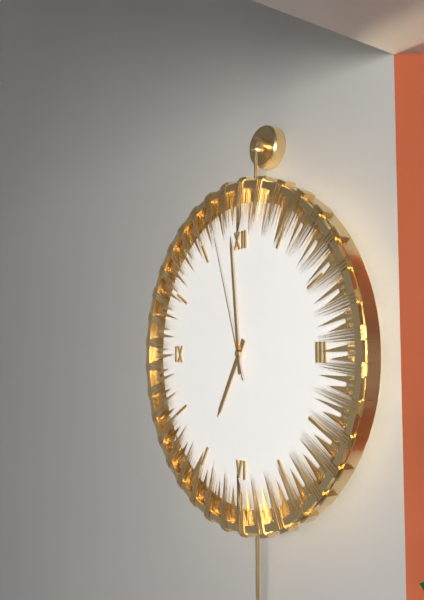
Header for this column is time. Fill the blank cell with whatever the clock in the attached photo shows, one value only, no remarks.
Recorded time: 6:59:57
